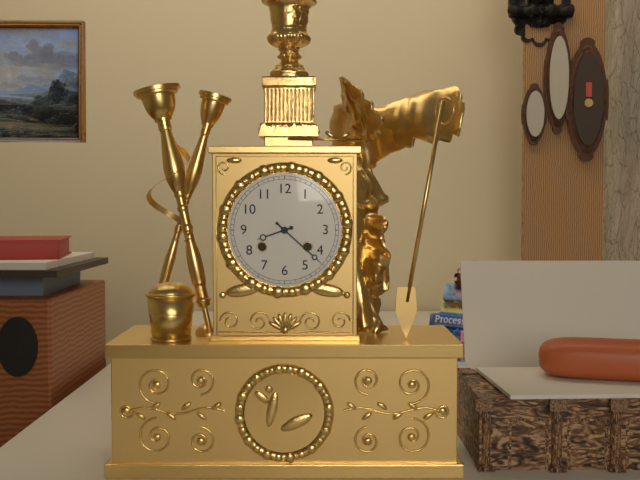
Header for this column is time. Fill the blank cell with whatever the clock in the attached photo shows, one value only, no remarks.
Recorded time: 8:22
